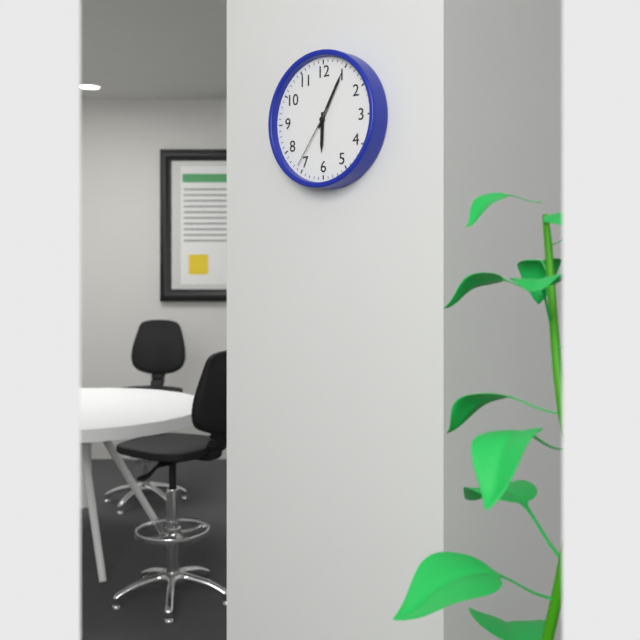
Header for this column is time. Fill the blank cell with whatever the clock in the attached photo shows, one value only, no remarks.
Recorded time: 6:05:36
